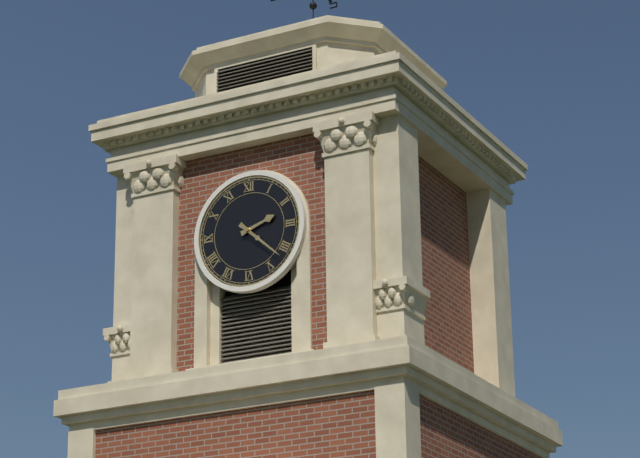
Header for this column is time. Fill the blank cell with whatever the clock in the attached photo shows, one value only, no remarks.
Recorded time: 2:22
